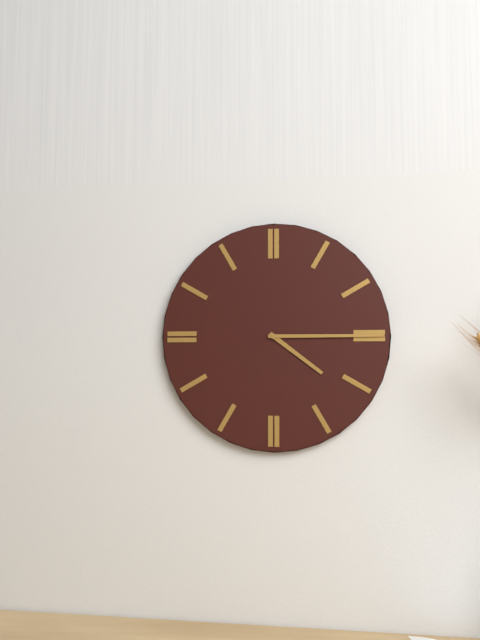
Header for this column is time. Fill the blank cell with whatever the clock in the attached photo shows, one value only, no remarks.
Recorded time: 4:15
